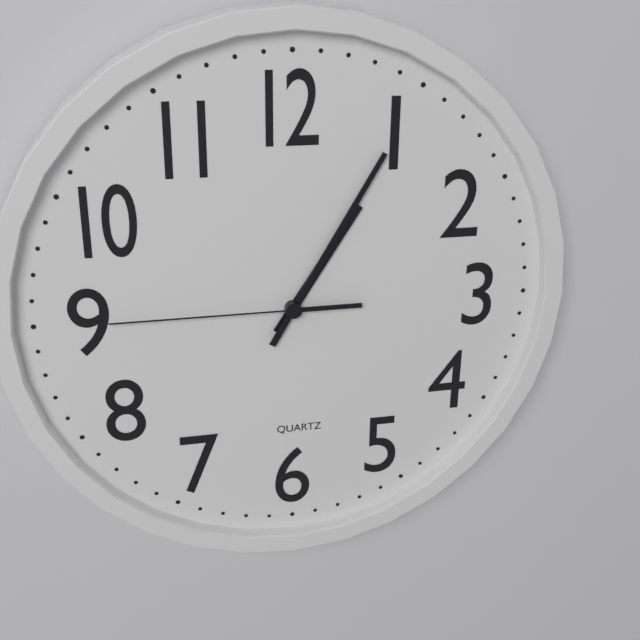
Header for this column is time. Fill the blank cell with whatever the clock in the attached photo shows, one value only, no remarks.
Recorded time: 1:05:45
